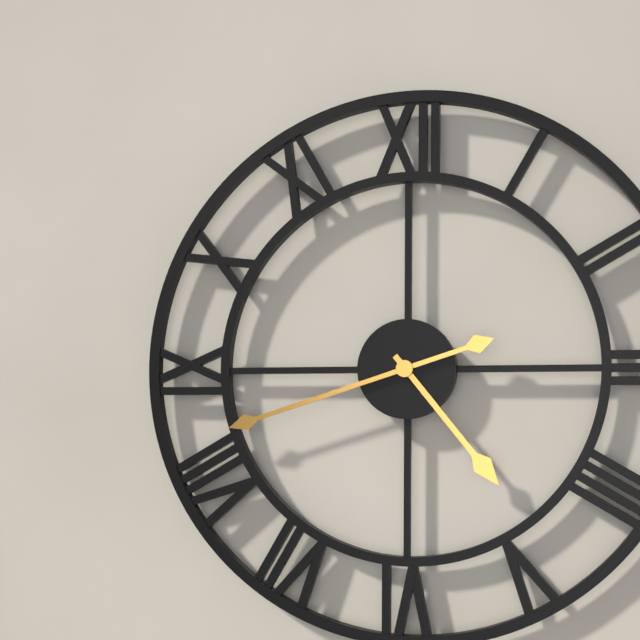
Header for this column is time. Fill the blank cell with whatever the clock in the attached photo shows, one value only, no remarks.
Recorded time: 4:42
